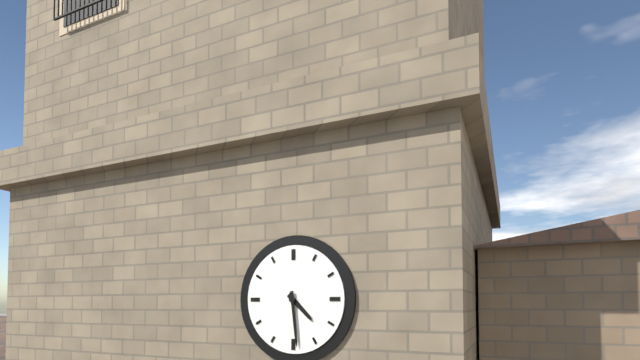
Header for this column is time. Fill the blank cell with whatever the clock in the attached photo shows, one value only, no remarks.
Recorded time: 4:29
